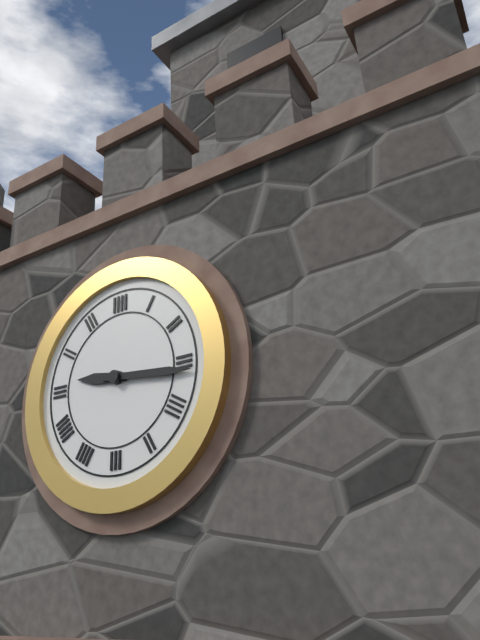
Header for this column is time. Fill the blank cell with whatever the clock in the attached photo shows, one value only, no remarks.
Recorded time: 9:16
